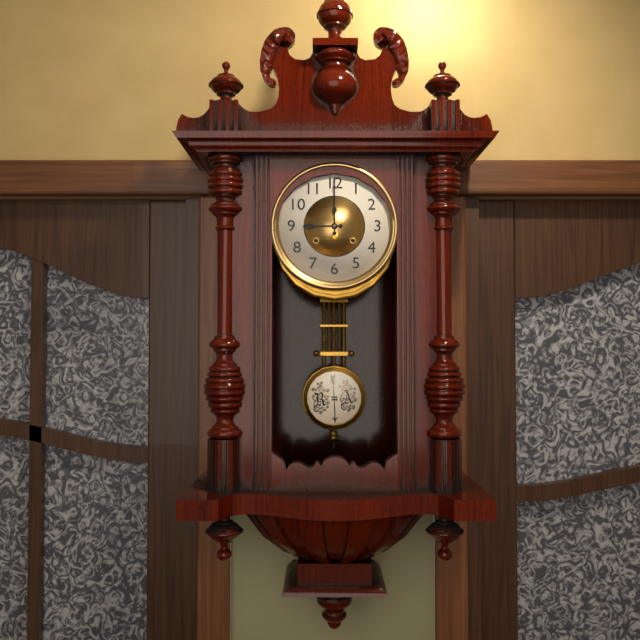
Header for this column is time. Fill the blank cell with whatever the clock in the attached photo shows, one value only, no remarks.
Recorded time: 9:00
